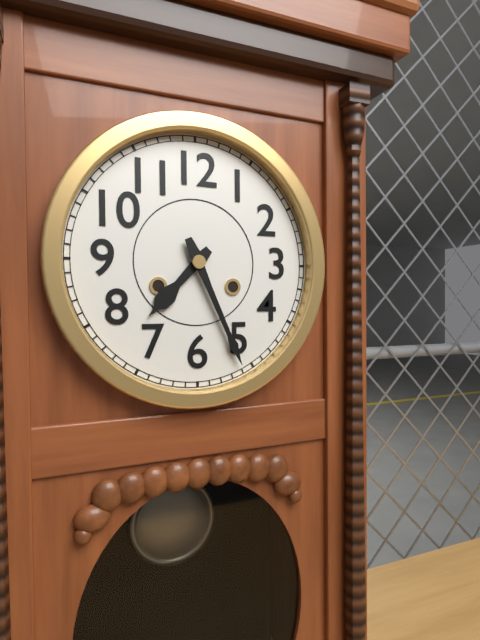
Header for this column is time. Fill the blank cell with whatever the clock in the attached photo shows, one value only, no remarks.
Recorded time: 7:26
